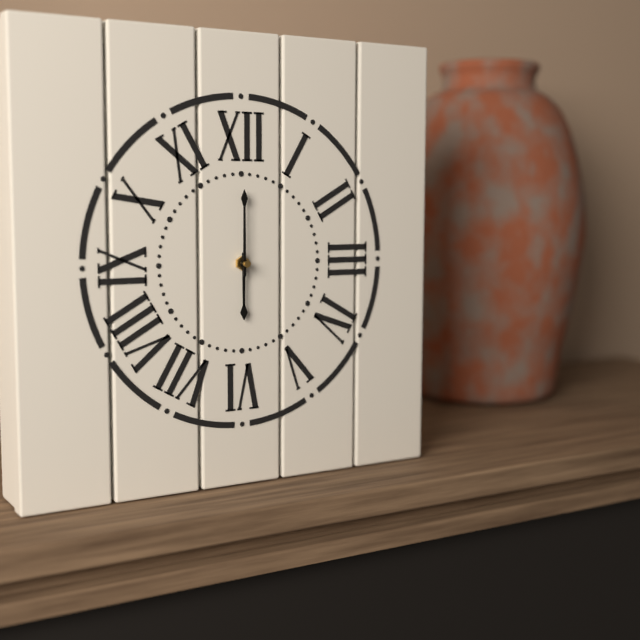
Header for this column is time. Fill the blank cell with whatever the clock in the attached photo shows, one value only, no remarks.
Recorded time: 6:00
